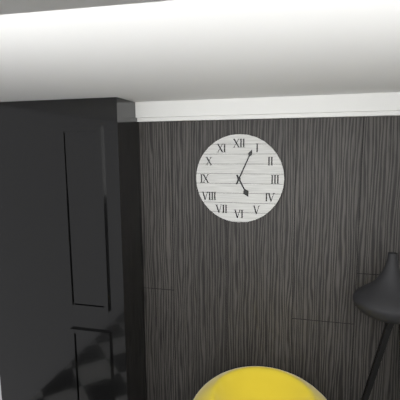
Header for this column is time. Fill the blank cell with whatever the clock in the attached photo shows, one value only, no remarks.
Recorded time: 5:04
